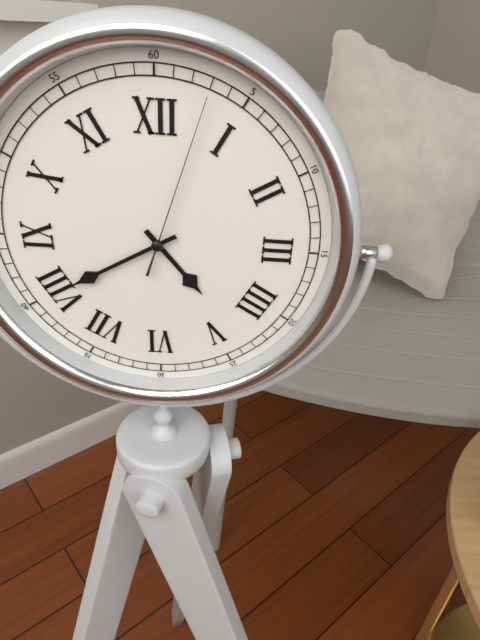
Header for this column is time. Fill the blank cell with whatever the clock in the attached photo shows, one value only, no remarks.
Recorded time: 4:40:03
